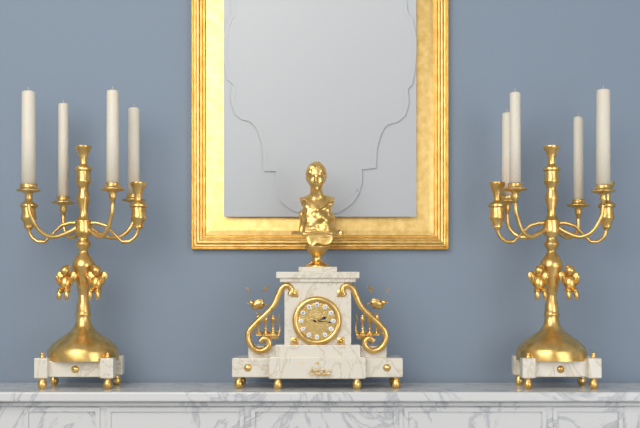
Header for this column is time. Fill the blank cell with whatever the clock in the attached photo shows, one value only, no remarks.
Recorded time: 2:16
